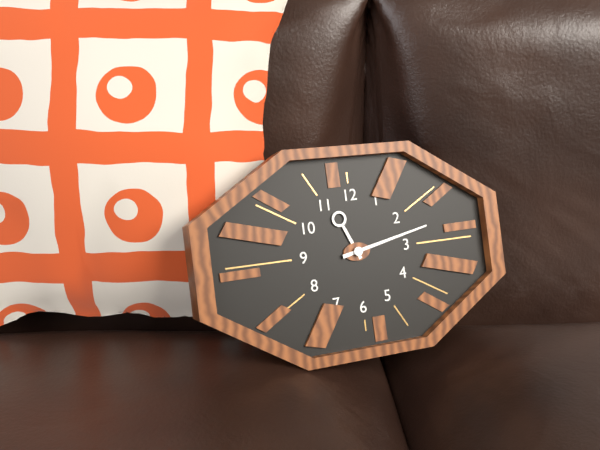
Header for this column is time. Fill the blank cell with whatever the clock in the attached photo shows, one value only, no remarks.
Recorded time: 11:13
